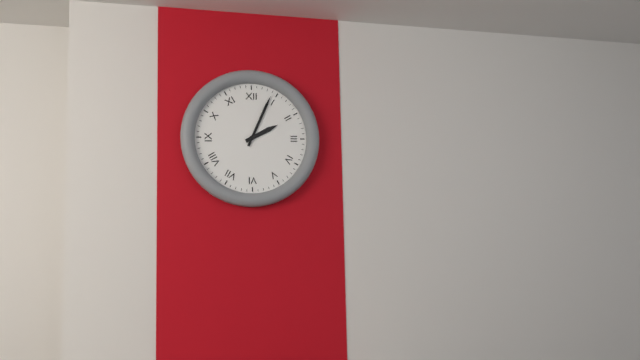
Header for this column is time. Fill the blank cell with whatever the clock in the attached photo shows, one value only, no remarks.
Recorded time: 2:04
